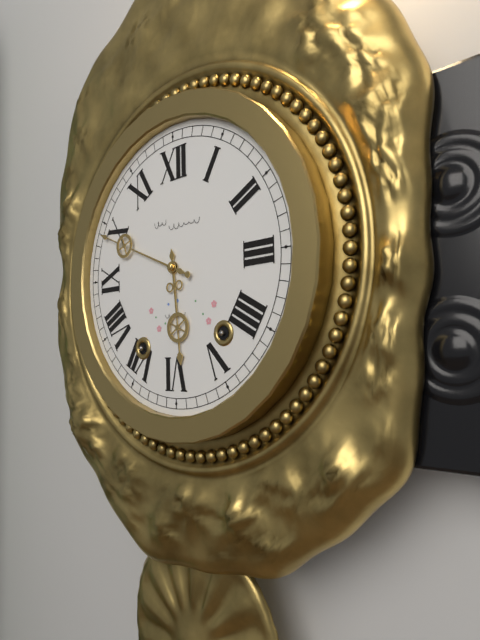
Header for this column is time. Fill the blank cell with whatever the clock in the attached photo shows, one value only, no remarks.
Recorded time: 5:49
